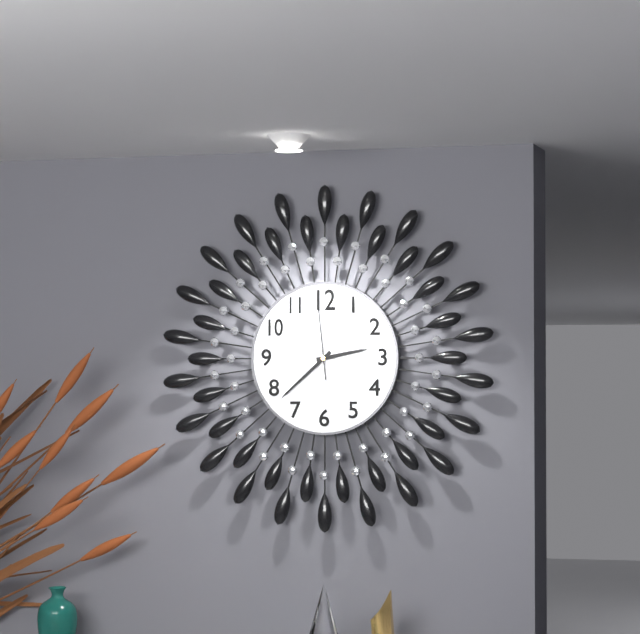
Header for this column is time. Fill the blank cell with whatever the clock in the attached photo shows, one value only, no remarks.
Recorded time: 2:38:59
